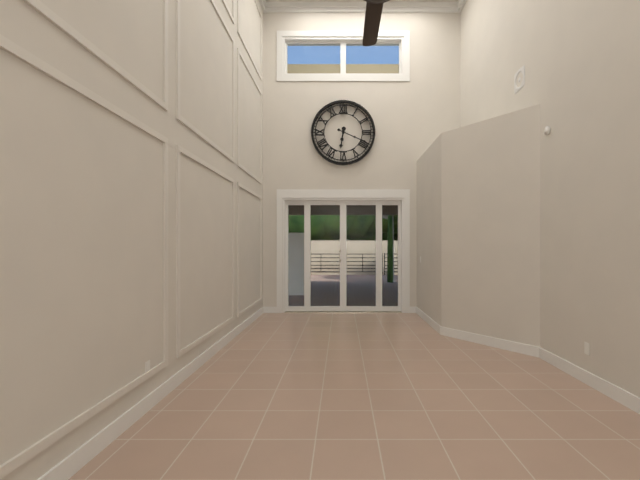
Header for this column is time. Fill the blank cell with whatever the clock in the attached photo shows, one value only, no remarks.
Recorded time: 6:19
